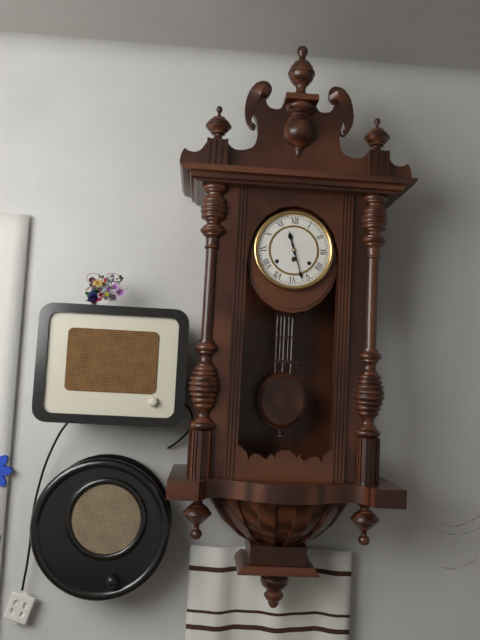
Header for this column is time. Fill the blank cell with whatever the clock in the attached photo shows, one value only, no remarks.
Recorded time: 11:27
